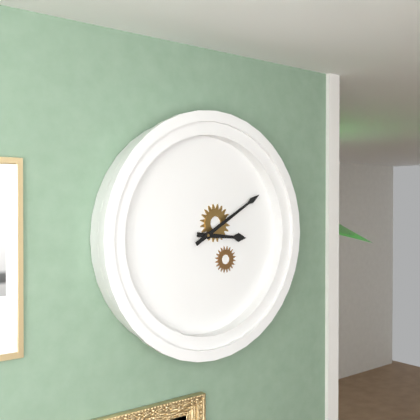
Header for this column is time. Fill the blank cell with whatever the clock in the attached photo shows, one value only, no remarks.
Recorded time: 3:10
